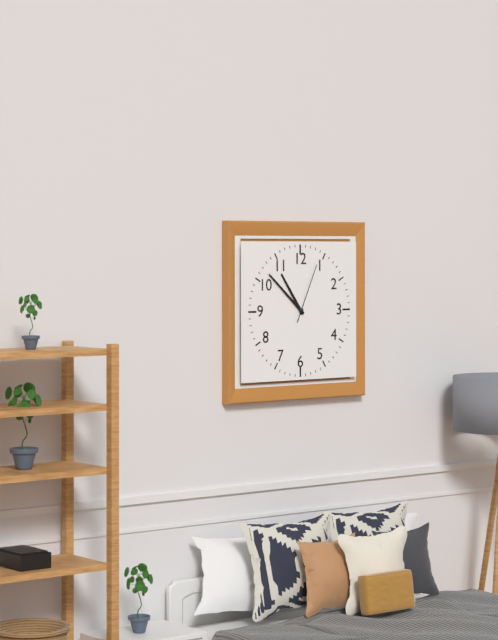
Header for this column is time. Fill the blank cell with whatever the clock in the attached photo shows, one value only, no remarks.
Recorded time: 10:52:04
